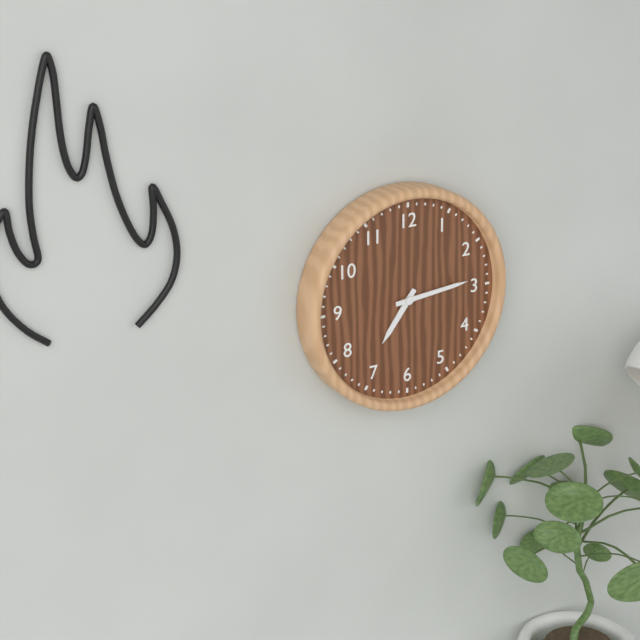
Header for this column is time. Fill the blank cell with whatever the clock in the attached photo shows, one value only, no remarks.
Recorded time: 7:14
